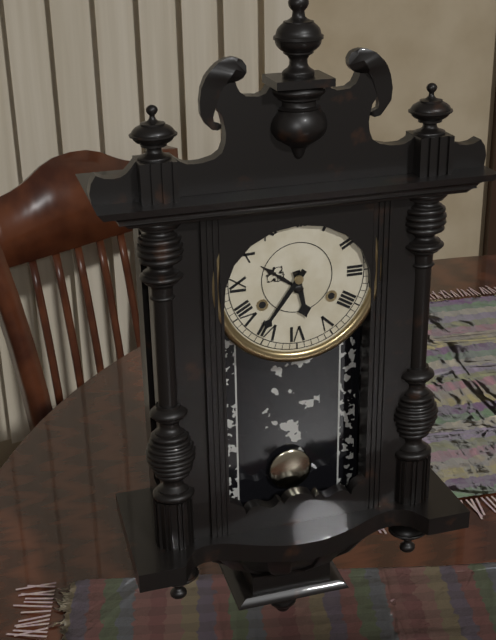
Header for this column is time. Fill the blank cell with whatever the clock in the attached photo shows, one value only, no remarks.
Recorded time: 5:36
